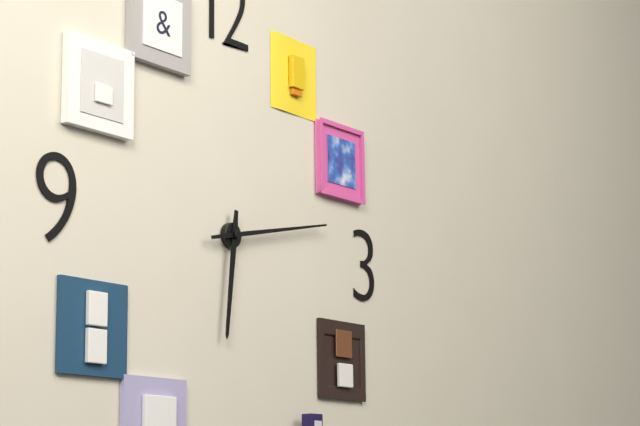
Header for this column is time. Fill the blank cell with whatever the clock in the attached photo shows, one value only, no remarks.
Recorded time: 6:13
